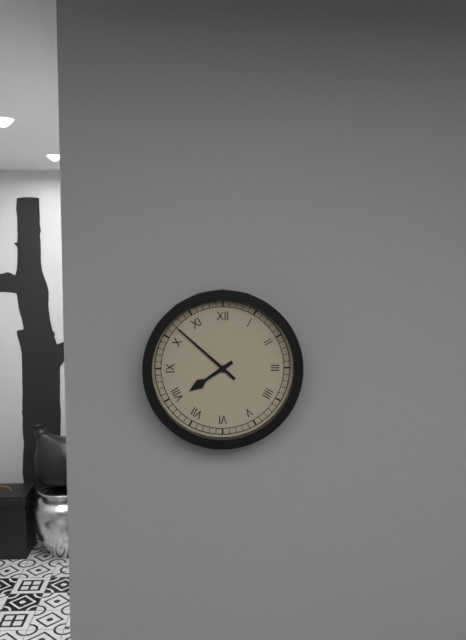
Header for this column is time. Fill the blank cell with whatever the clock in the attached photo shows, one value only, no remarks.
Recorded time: 7:52
